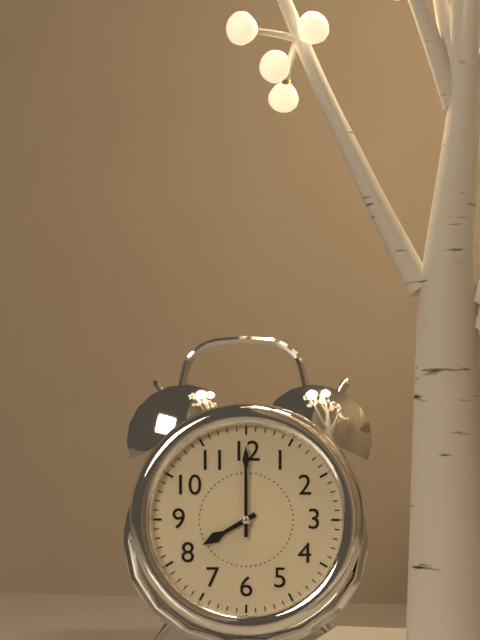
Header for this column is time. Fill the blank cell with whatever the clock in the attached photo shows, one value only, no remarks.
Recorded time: 8:00
